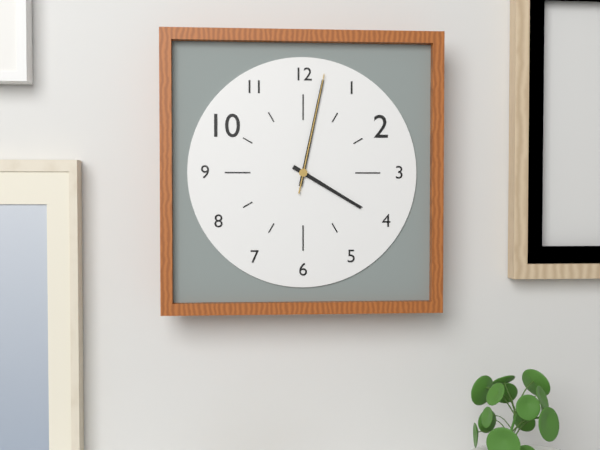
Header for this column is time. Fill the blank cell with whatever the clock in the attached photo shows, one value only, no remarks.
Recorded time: 4:02:02
